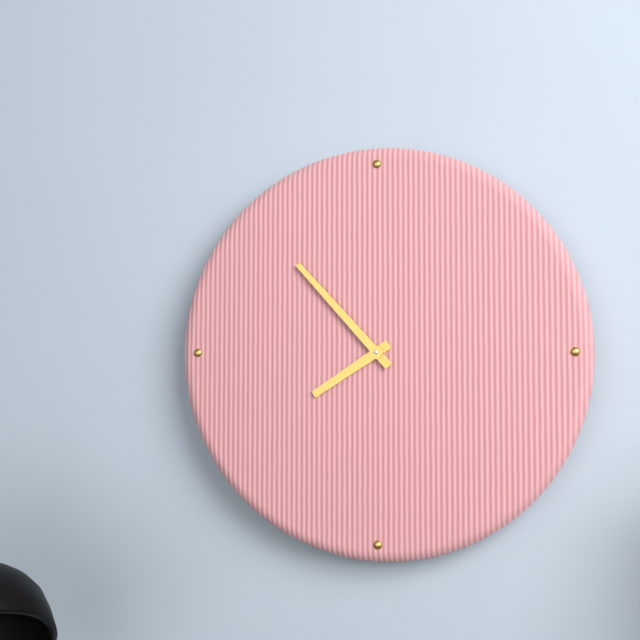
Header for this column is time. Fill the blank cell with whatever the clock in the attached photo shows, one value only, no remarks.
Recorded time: 7:53
